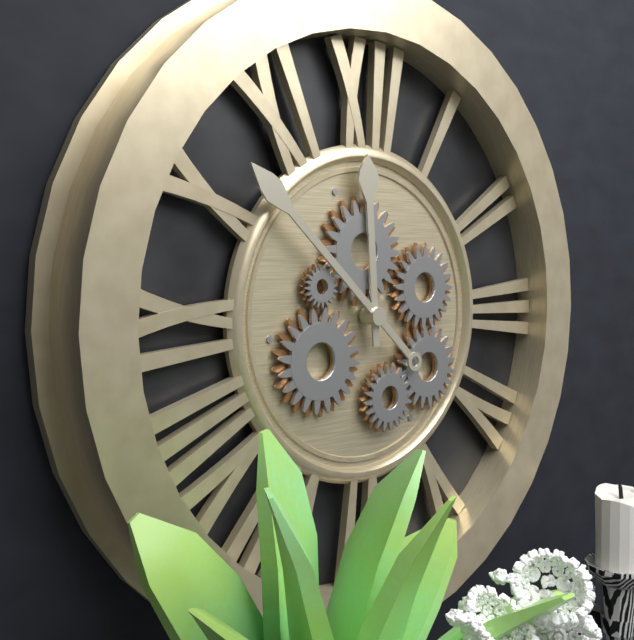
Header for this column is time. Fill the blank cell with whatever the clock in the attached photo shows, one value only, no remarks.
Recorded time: 11:52
